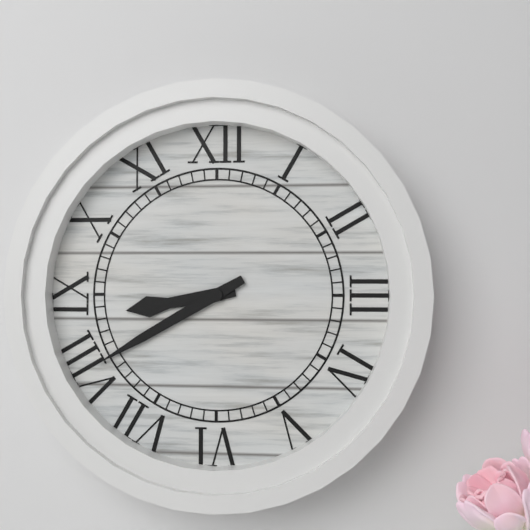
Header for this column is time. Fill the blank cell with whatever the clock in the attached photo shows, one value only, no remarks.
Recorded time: 8:40
